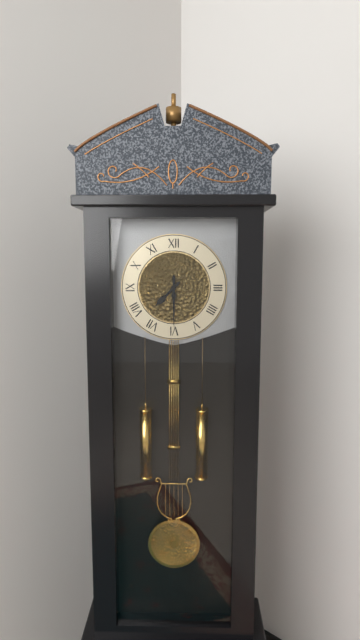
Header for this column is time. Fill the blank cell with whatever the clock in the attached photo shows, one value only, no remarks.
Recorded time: 7:30
